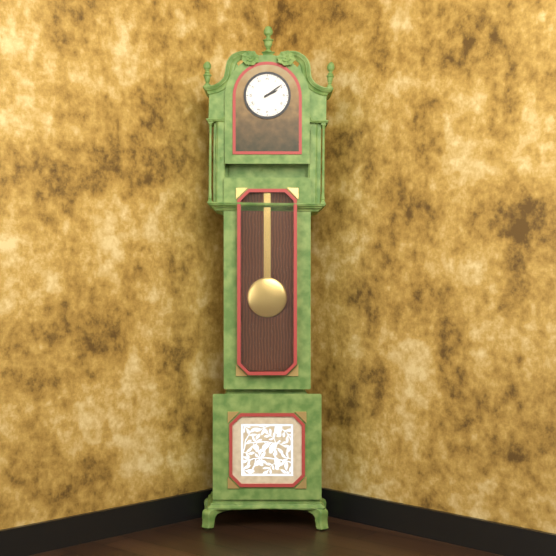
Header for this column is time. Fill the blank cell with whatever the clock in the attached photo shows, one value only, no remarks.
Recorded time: 2:09
